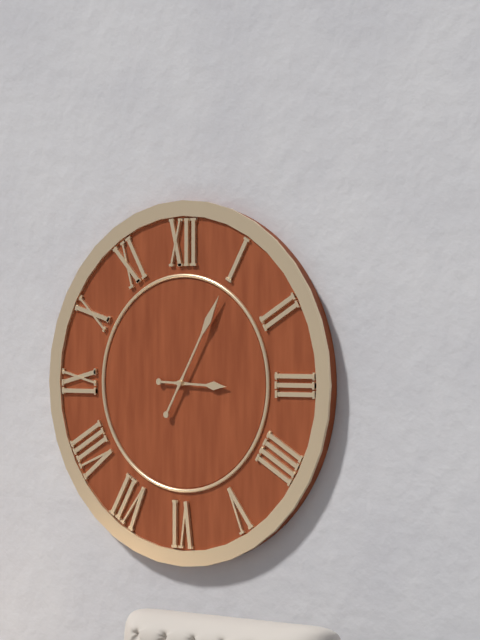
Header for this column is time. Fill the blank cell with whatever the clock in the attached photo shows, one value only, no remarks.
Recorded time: 3:05
